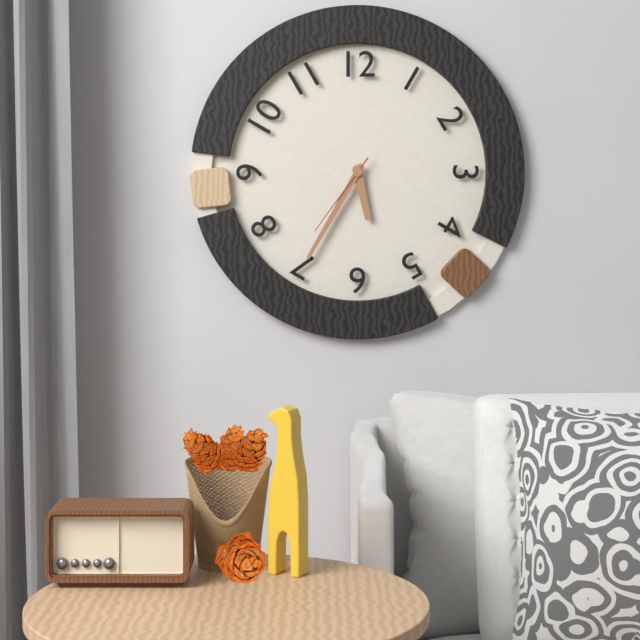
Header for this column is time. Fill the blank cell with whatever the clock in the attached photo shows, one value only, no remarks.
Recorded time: 5:35:36
